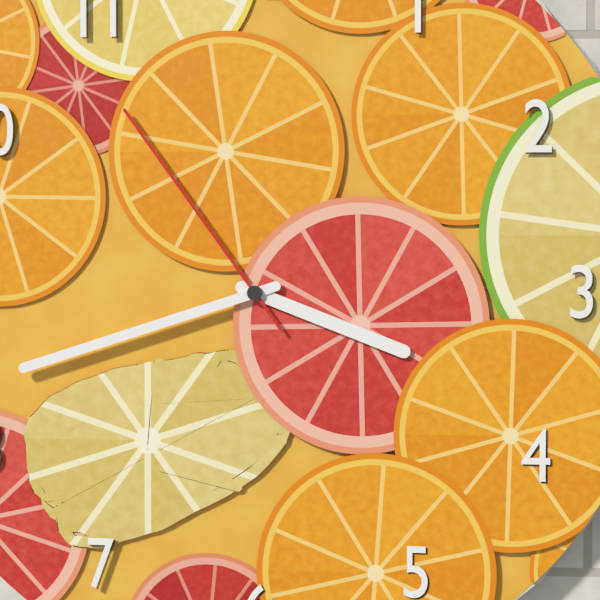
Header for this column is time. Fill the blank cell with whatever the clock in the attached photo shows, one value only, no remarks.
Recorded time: 3:42:54
